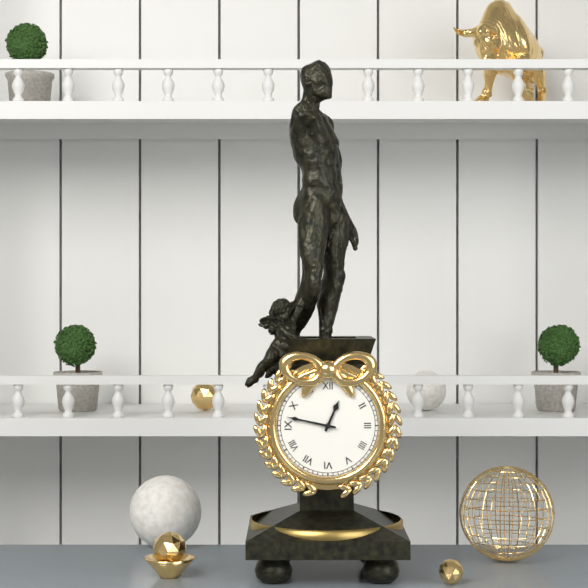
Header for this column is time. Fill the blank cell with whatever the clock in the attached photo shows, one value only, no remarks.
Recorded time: 12:47
